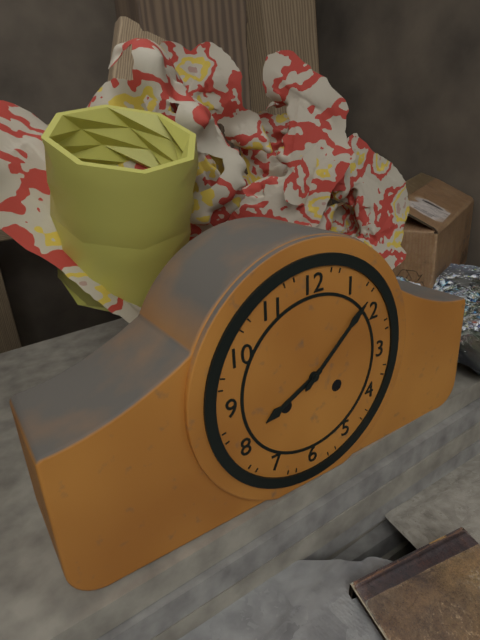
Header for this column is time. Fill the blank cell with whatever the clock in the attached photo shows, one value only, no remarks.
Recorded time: 8:08
